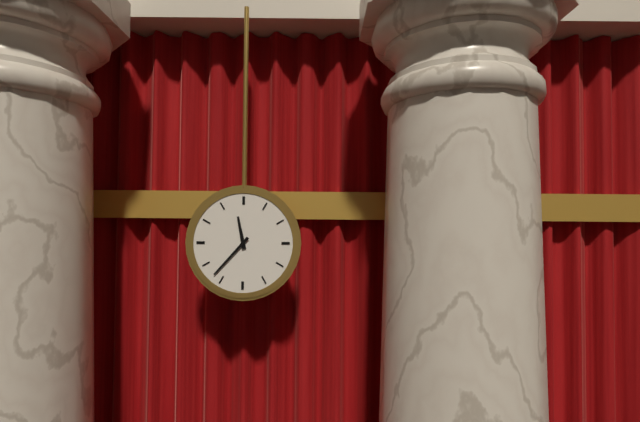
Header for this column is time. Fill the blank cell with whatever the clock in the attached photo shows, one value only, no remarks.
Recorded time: 11:37
